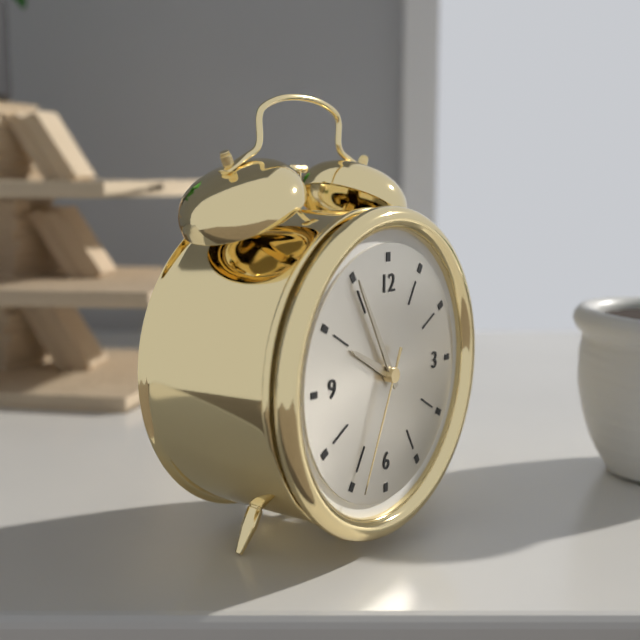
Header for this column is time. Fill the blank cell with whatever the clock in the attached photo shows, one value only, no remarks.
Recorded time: 9:55:34
